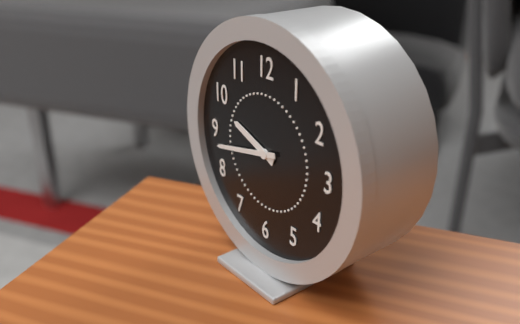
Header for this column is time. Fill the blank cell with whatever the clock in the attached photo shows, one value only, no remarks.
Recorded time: 9:43
